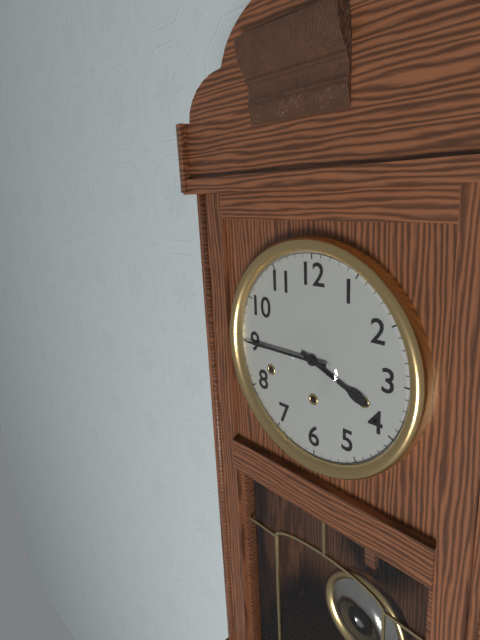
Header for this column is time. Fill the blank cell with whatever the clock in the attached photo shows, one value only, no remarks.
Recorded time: 3:45
